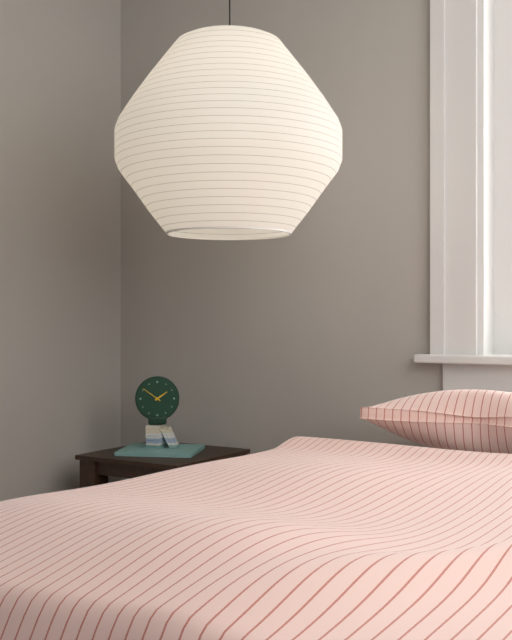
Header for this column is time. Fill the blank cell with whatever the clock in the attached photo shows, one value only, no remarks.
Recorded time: 1:51
